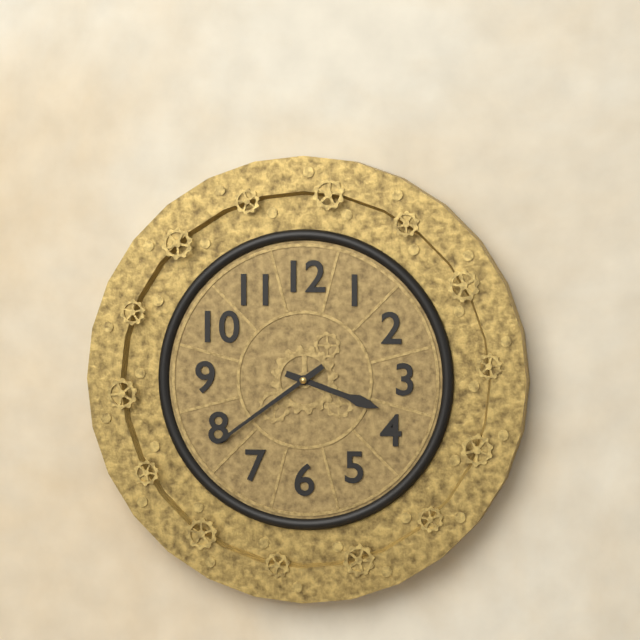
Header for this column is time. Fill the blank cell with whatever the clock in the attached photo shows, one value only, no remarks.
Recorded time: 3:39
